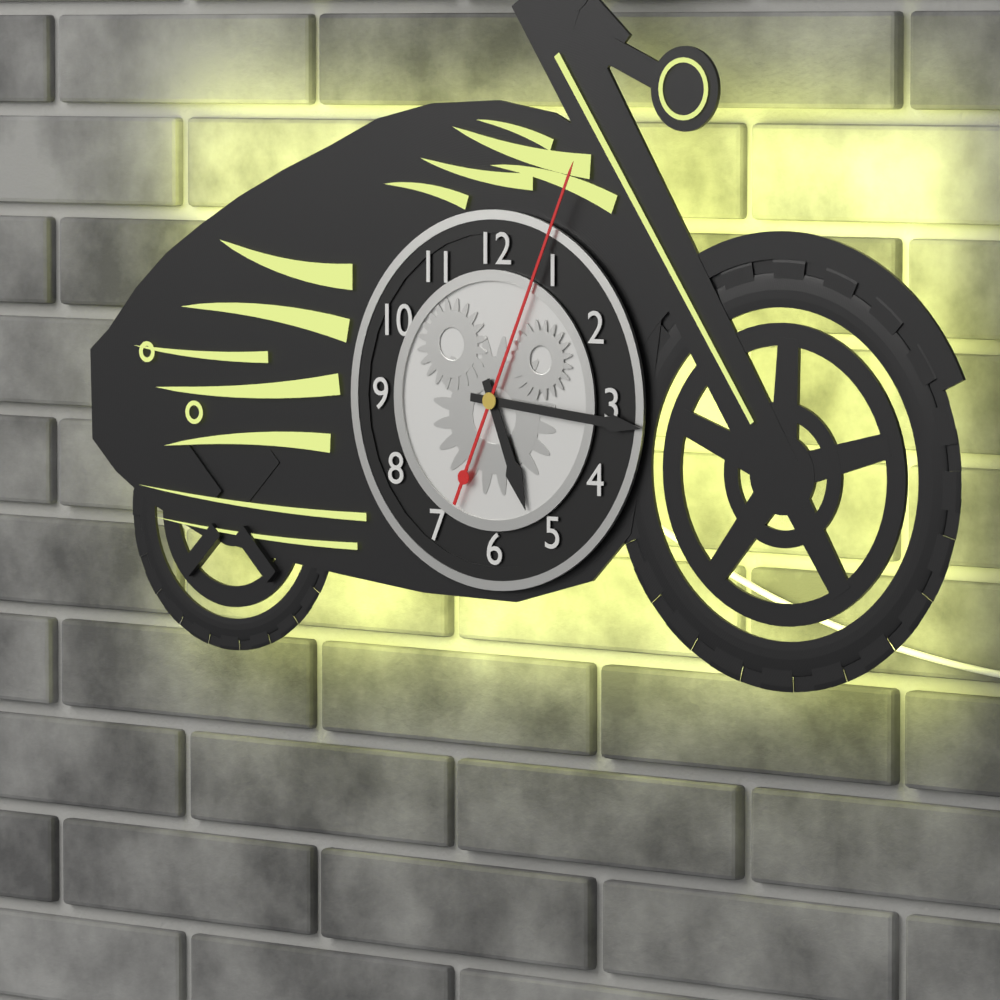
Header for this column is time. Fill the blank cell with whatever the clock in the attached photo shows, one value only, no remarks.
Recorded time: 5:16:04
